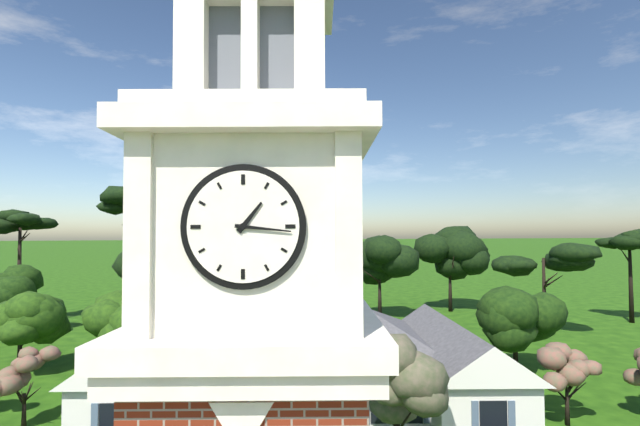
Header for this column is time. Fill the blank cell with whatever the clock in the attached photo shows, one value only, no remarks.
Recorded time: 1:16
